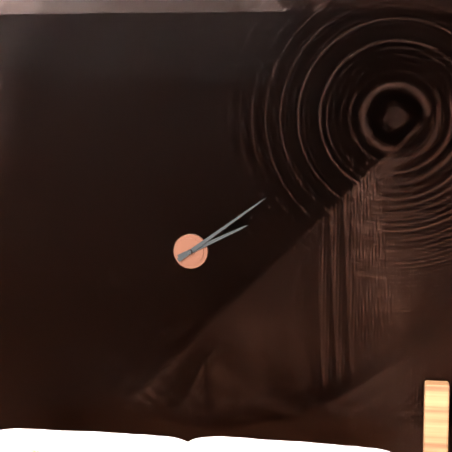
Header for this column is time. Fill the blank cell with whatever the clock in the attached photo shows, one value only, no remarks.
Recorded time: 2:09
